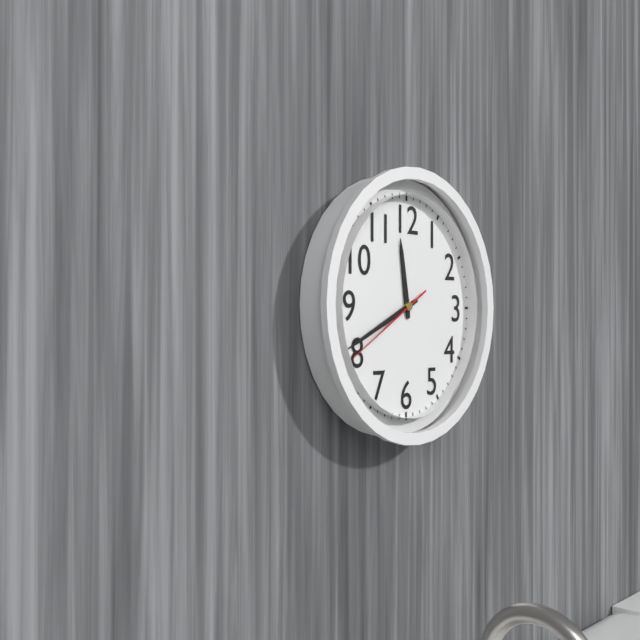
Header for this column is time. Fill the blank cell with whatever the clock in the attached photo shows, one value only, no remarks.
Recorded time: 11:41:40
